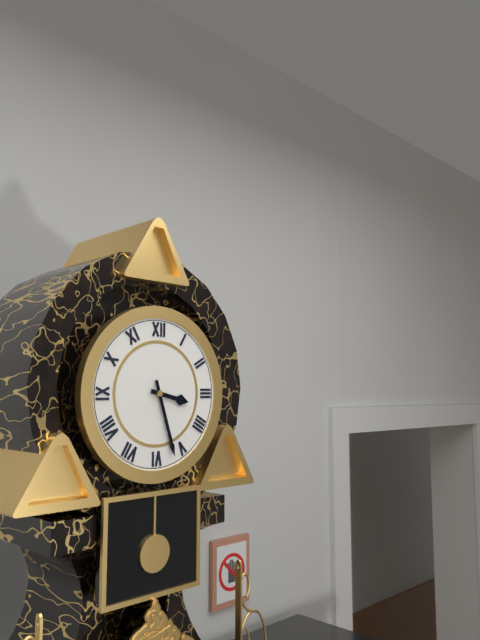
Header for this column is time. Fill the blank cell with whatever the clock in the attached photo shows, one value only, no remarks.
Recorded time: 3:27
